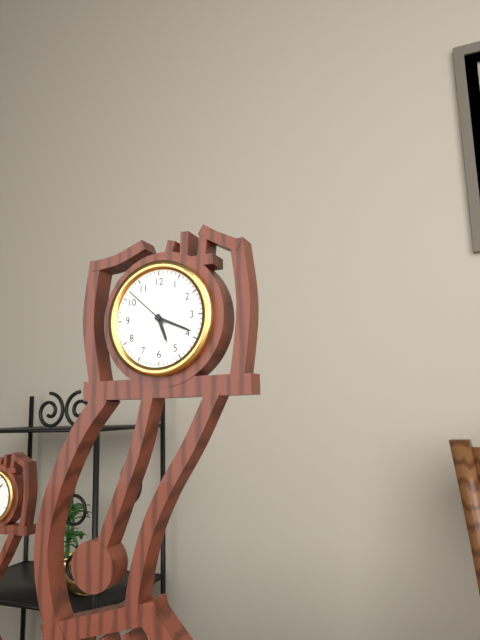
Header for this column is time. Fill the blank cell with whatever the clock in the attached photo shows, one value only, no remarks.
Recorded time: 5:19
